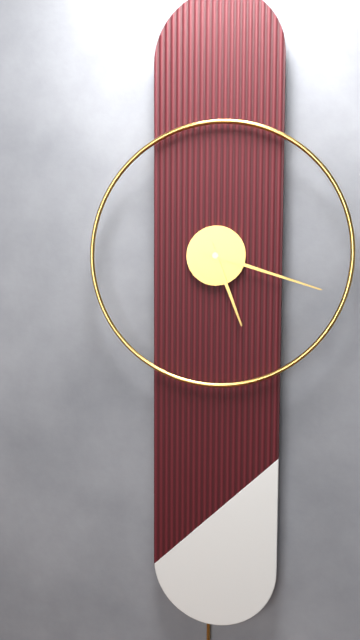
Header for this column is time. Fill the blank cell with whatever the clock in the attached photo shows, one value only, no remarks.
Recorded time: 5:18
